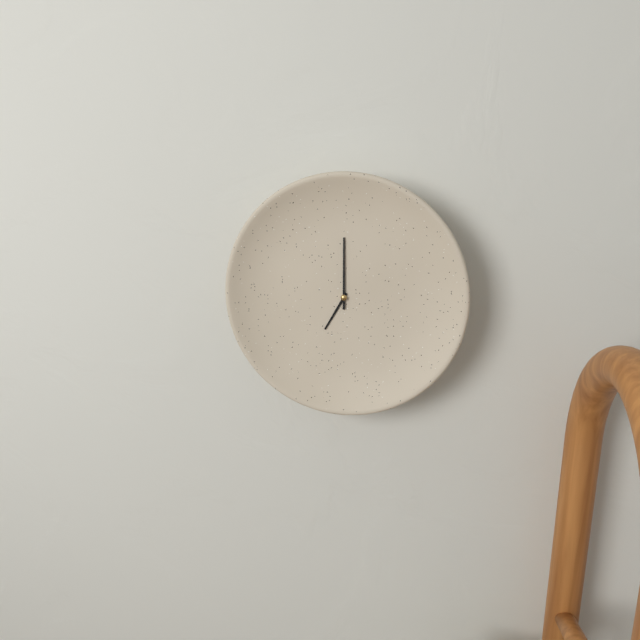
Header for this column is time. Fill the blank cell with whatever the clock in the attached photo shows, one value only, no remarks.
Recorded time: 7:00
